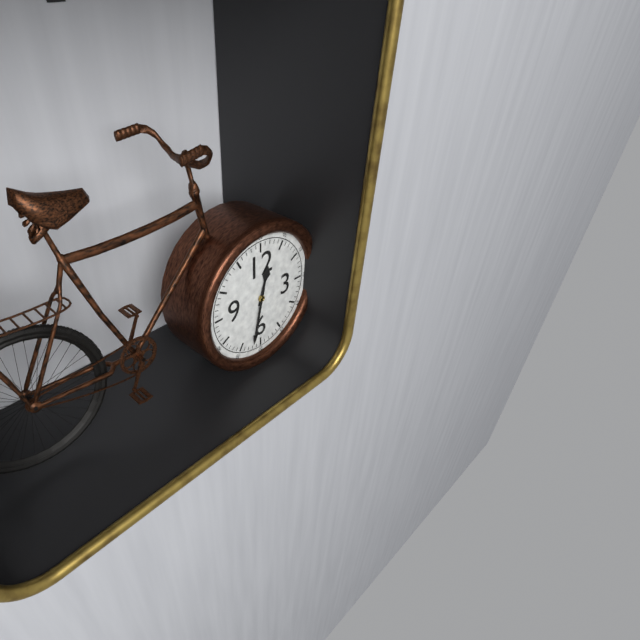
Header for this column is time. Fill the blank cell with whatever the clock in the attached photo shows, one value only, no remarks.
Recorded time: 12:32
